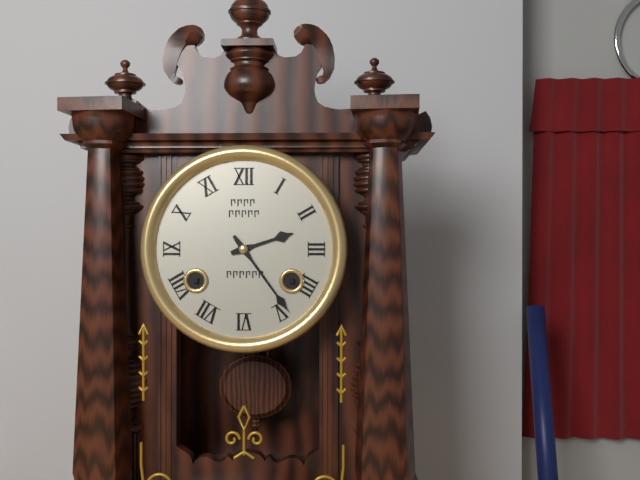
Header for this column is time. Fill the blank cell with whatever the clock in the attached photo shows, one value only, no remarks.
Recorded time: 2:24
